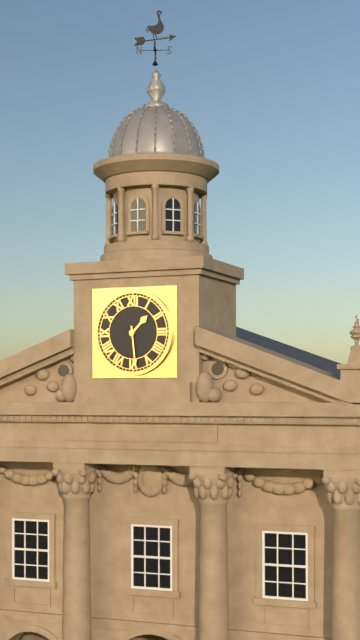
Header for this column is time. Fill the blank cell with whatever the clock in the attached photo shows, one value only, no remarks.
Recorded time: 1:29
